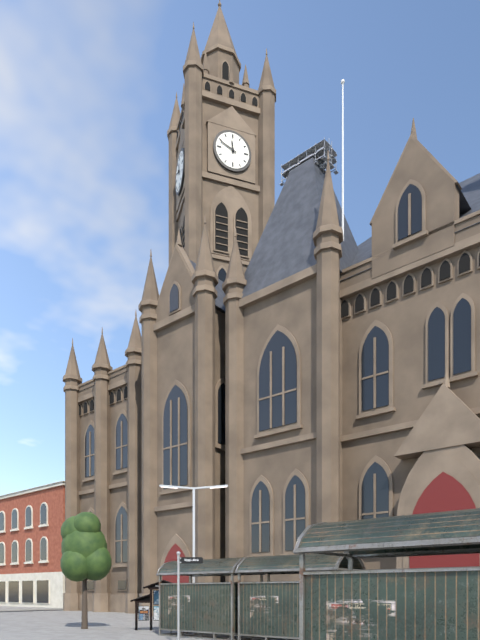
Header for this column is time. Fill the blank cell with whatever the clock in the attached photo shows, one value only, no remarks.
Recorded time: 11:49
